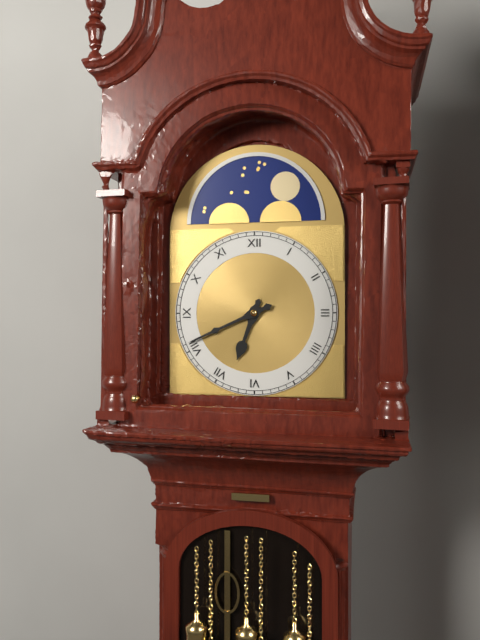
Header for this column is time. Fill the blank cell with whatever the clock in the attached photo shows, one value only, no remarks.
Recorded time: 6:41
